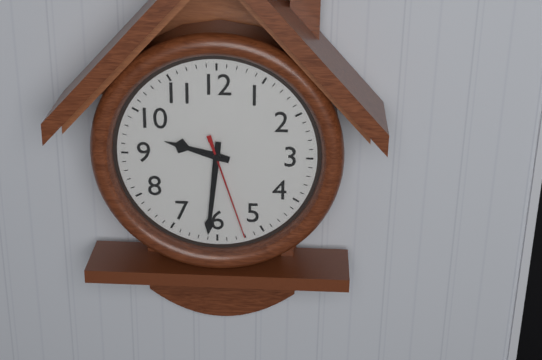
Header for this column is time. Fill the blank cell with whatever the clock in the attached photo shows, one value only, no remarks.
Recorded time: 9:31:27
